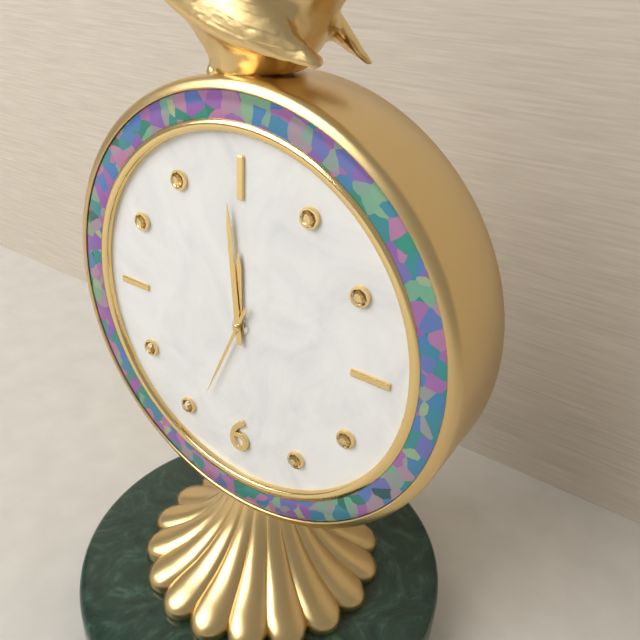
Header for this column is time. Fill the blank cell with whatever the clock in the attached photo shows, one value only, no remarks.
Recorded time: 11:59:34
